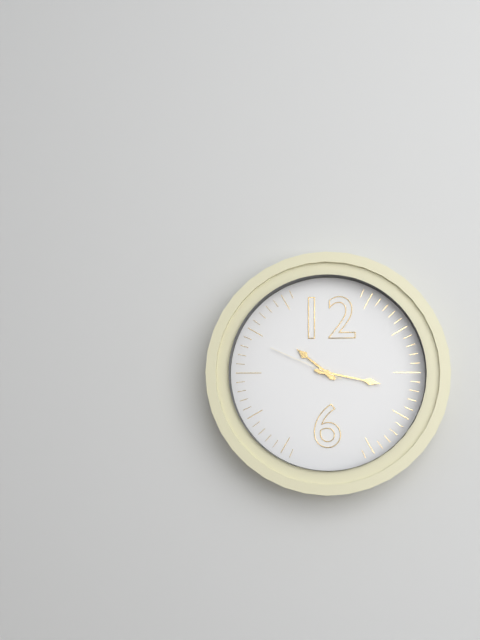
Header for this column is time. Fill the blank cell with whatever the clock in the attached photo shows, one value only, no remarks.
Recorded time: 10:17:49
